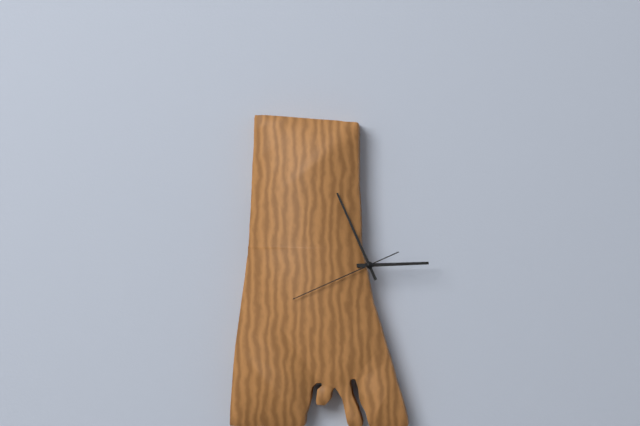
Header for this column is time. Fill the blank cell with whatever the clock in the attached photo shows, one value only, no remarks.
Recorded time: 2:56:41
